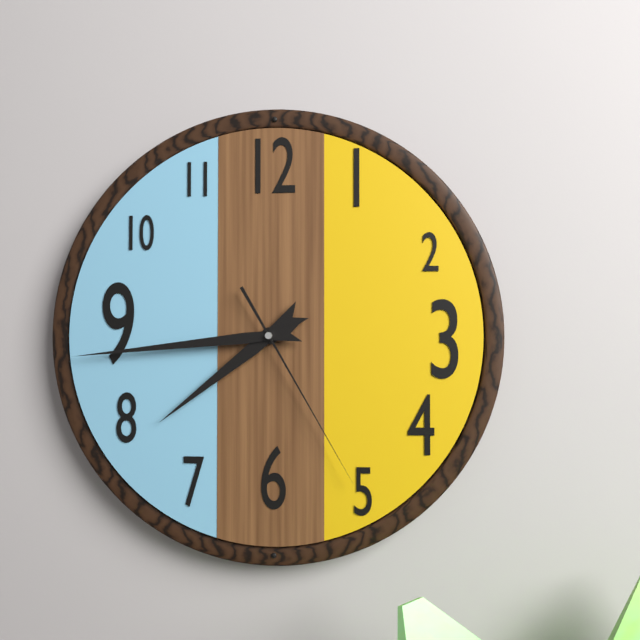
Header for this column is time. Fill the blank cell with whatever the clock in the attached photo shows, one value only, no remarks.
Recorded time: 7:44:25
